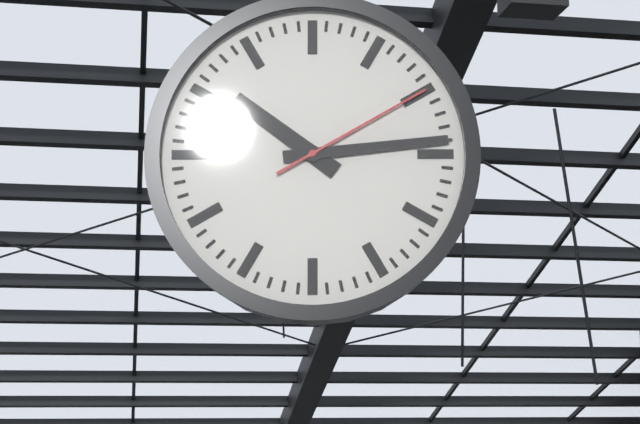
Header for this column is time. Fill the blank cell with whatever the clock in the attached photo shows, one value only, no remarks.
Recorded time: 10:14:10
